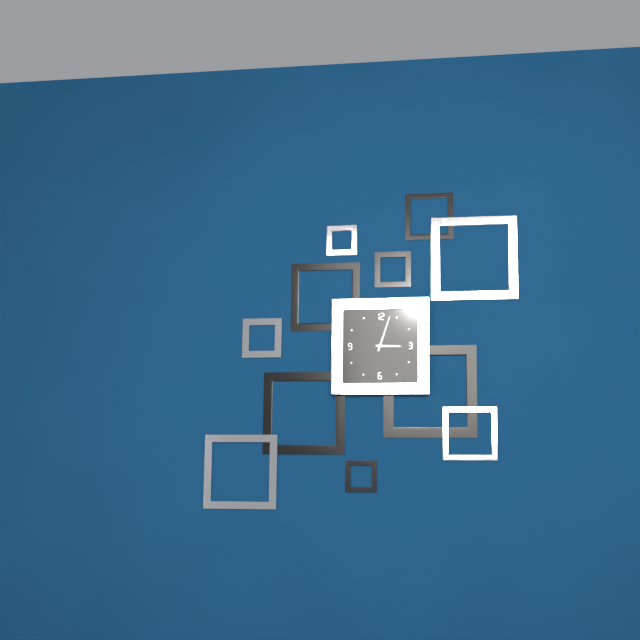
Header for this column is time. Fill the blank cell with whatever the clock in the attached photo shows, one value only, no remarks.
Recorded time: 3:03
